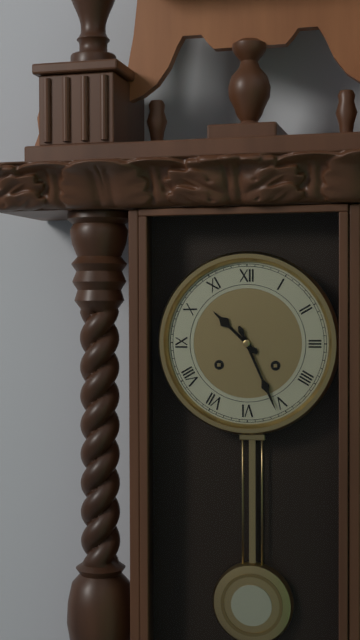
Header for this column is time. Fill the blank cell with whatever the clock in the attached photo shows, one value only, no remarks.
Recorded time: 10:26
